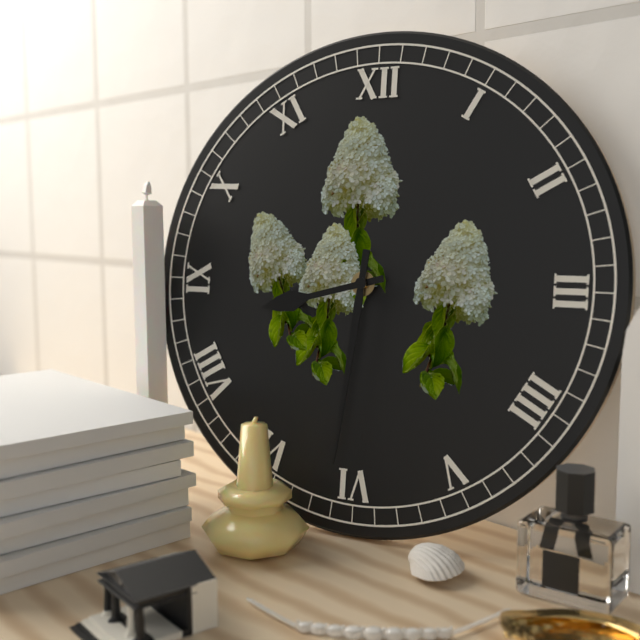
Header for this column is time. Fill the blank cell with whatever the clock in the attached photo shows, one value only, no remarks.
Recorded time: 8:31
